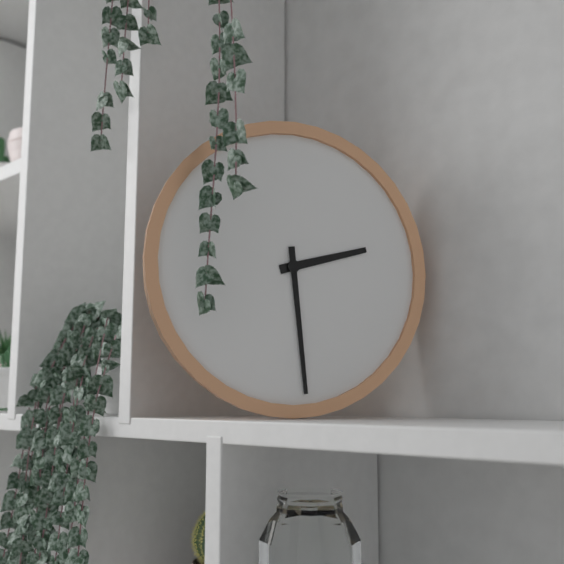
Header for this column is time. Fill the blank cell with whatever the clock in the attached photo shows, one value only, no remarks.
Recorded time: 2:29
